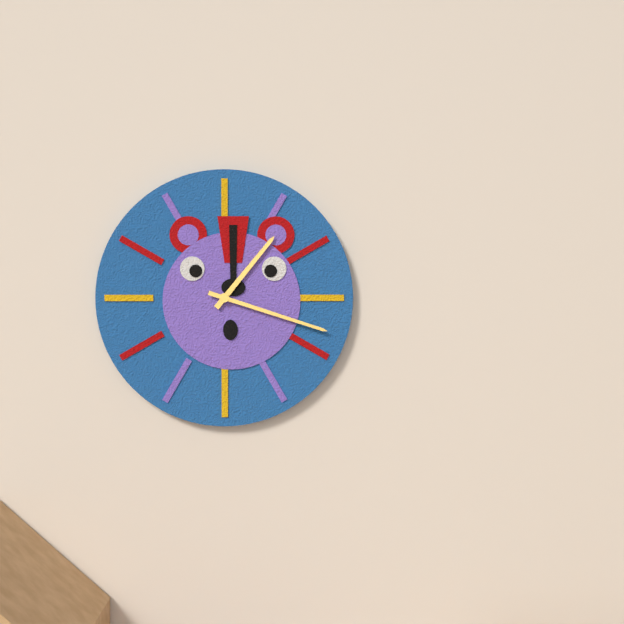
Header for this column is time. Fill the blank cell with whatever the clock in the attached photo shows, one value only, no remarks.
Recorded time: 1:18
